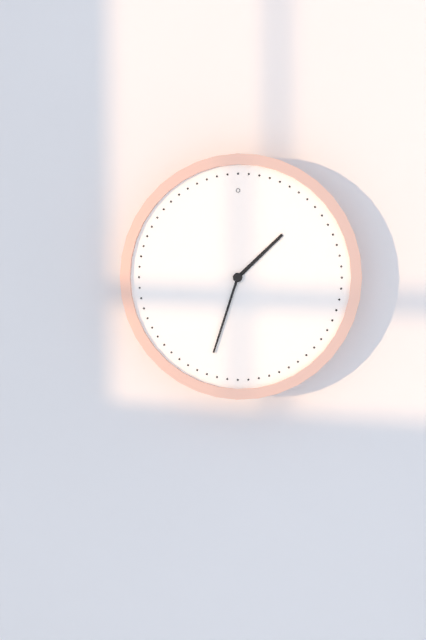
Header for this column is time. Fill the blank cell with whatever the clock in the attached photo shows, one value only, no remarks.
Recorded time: 1:33
